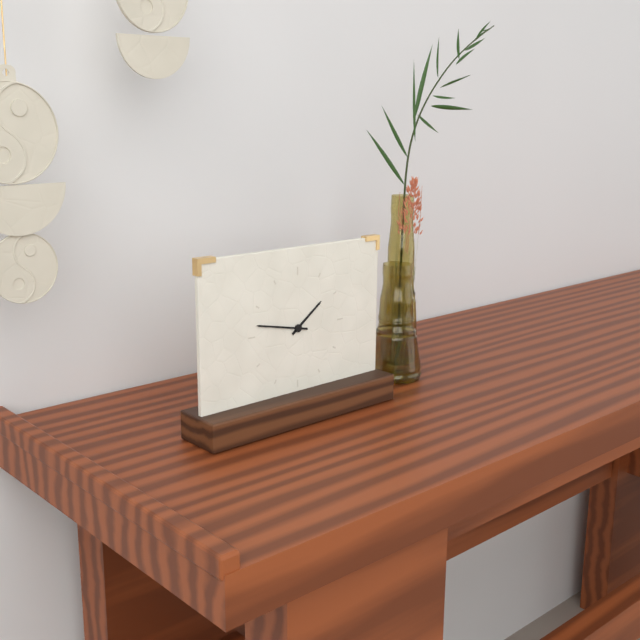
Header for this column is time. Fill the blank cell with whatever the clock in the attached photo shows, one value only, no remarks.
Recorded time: 1:47
